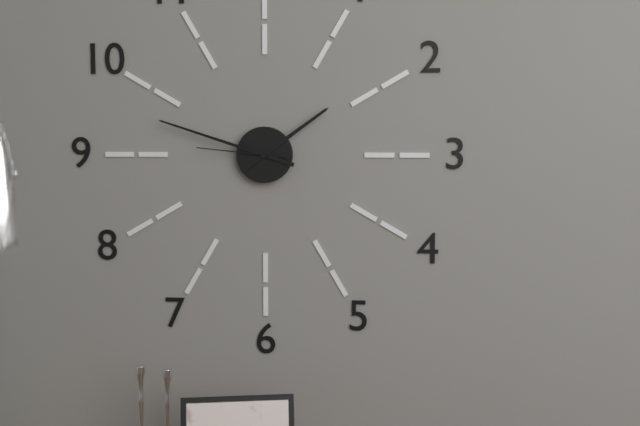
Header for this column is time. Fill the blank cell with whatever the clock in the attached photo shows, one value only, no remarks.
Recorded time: 1:48:46
